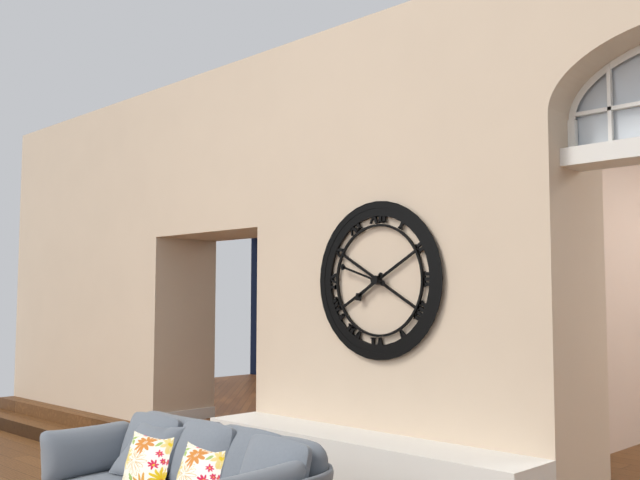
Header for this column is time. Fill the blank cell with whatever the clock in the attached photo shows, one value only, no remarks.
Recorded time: 7:48
